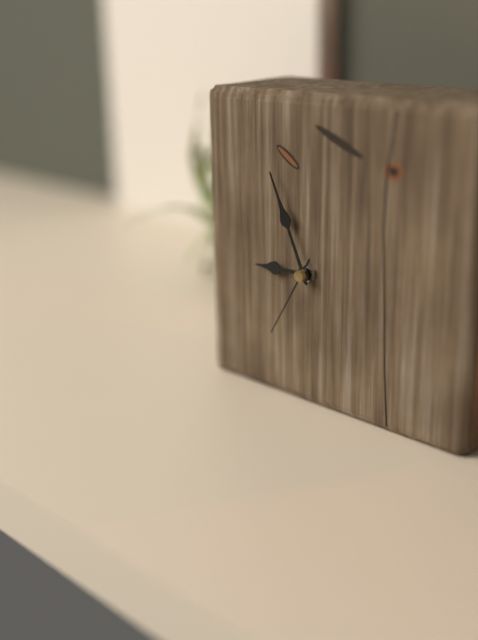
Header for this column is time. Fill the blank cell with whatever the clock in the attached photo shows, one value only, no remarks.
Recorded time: 8:56:35
